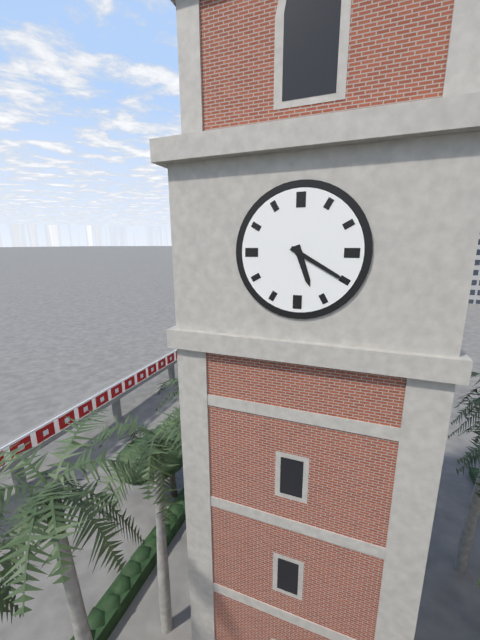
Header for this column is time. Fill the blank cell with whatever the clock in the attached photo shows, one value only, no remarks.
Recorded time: 5:20
